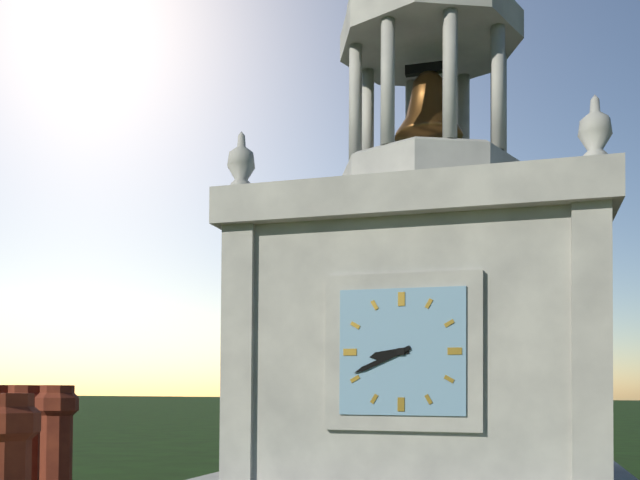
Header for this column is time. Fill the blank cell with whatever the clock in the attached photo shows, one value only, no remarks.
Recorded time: 8:41
